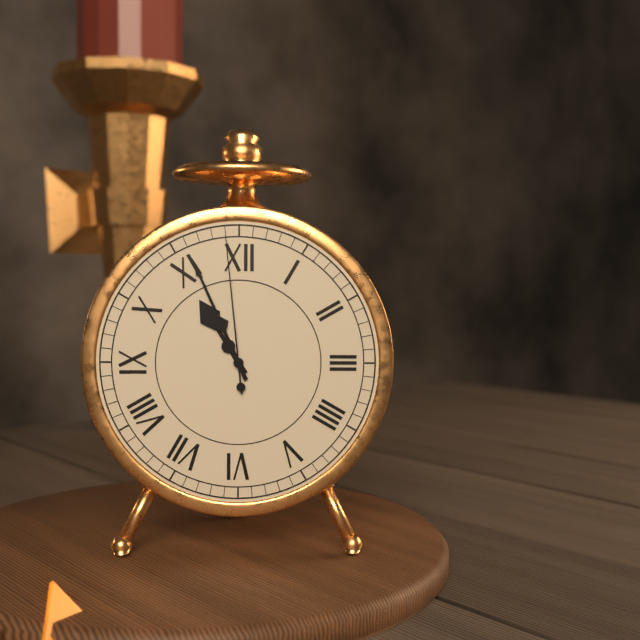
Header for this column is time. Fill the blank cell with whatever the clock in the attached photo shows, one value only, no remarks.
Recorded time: 10:56:59
